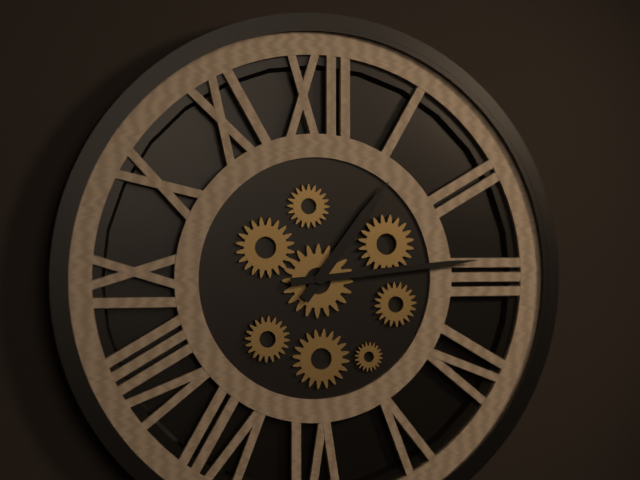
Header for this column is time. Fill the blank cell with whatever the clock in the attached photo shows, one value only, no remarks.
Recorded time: 1:14
